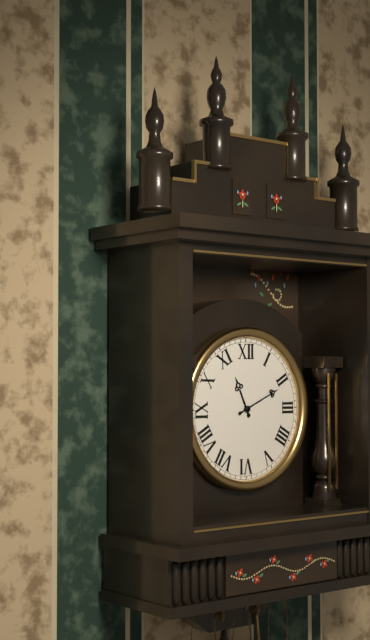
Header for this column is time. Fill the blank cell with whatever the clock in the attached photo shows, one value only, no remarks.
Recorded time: 11:11
